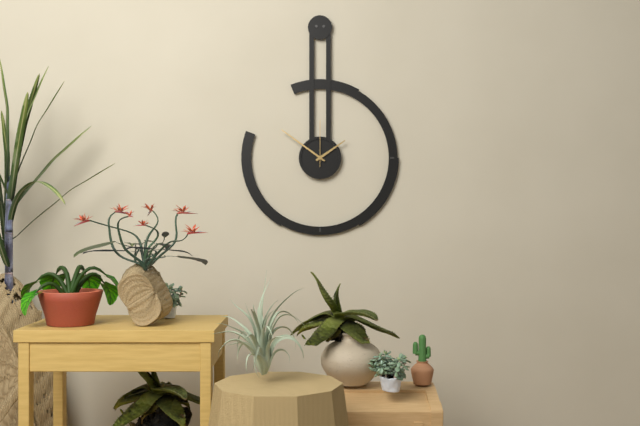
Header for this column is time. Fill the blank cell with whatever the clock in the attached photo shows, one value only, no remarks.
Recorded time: 1:51
